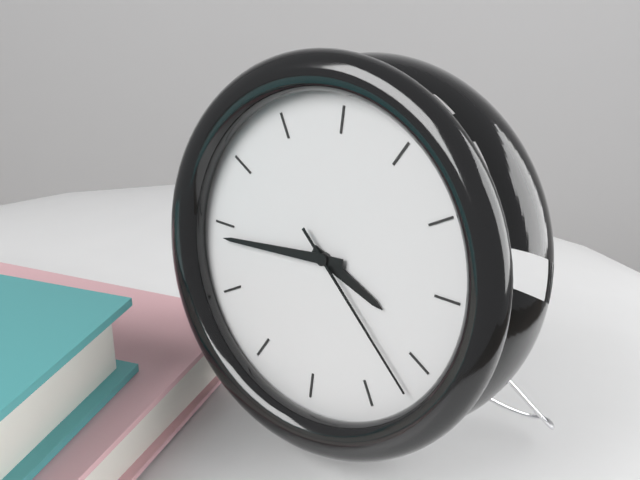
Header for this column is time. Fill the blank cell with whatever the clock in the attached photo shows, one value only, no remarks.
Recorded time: 3:44:22
